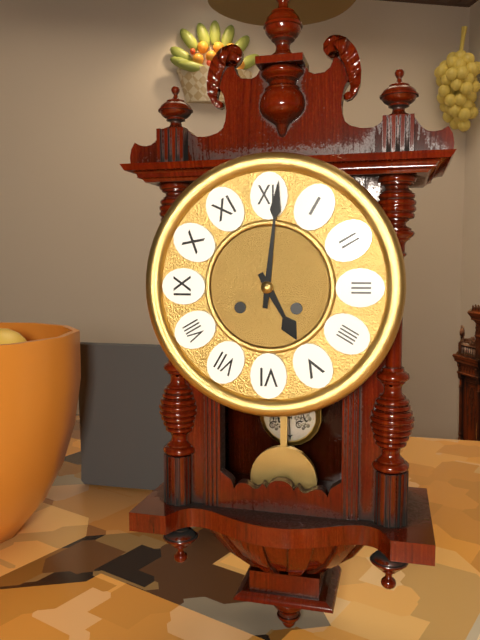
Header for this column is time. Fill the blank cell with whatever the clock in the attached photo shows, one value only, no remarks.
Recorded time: 5:01
